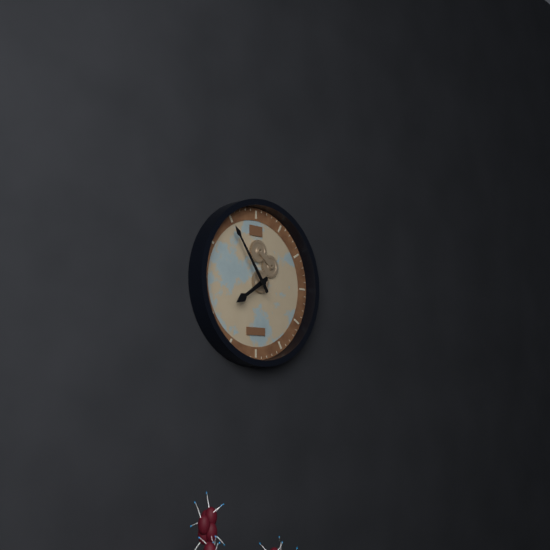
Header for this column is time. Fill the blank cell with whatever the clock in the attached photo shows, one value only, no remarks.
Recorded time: 7:54
